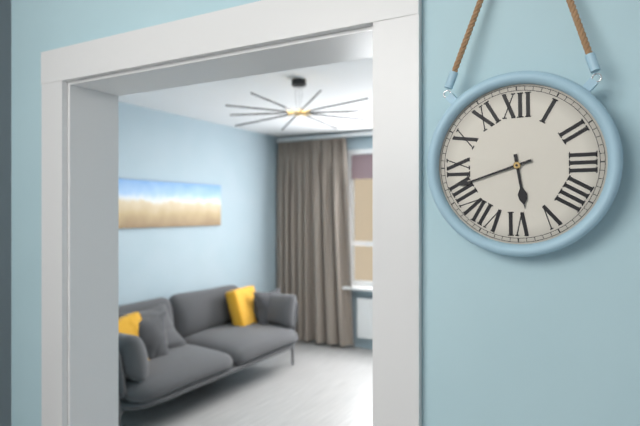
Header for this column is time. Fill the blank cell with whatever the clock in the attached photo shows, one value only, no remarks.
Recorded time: 5:42
